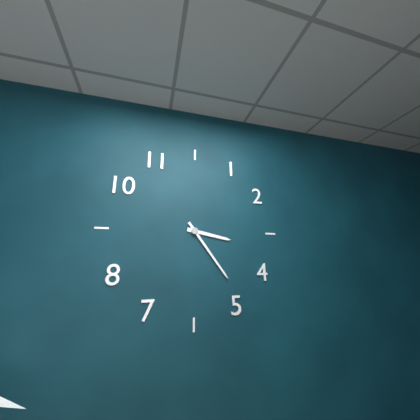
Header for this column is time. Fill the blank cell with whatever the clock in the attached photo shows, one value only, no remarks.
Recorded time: 3:24
